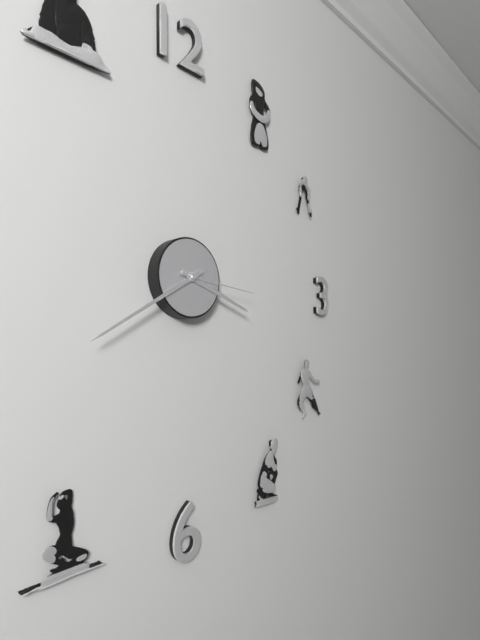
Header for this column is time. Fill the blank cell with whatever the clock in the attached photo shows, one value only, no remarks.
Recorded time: 3:40:16
